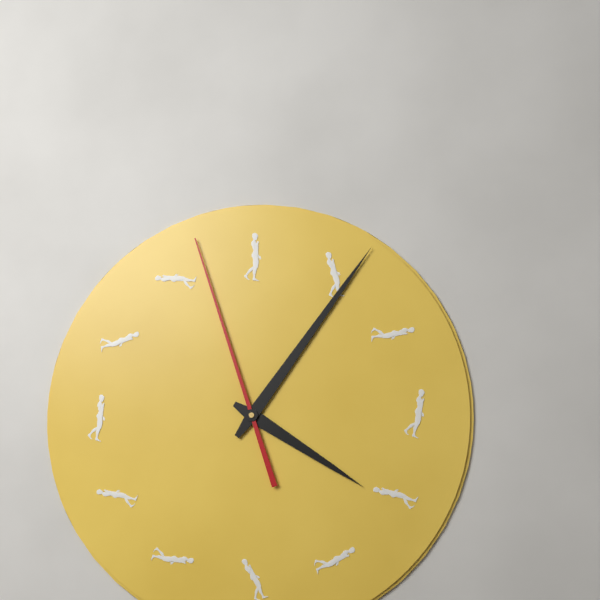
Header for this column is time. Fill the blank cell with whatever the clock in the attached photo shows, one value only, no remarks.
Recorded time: 4:06:57
